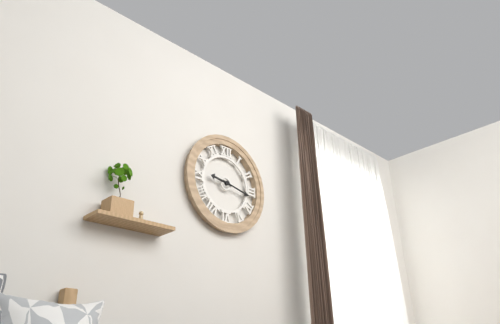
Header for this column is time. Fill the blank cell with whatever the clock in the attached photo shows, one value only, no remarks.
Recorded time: 9:17
